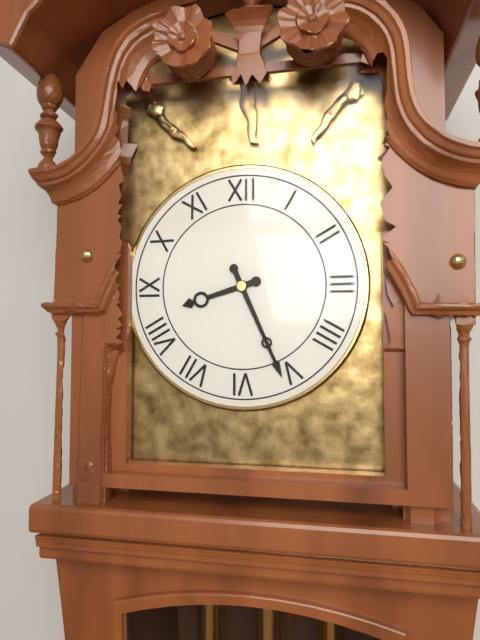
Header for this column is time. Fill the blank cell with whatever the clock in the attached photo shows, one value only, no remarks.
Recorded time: 8:26
